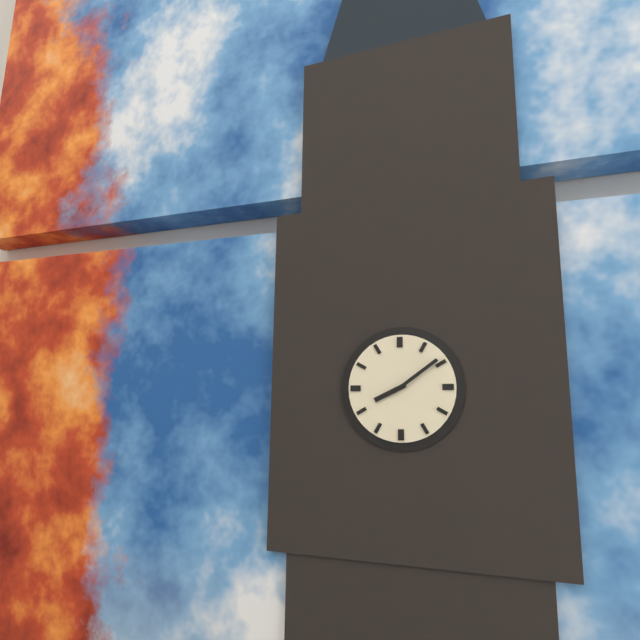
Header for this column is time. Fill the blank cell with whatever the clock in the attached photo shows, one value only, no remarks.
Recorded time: 8:09
